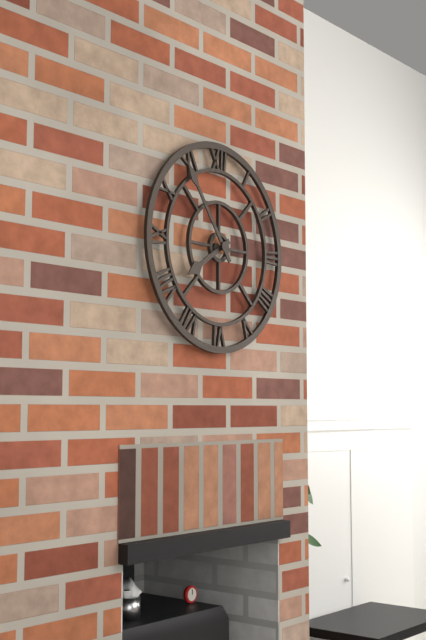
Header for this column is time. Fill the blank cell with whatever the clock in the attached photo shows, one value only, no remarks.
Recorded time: 7:54
